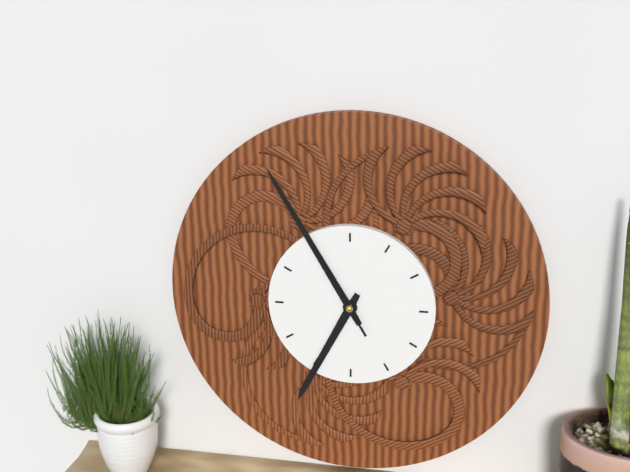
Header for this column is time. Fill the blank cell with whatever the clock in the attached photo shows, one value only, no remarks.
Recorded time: 6:55:55
